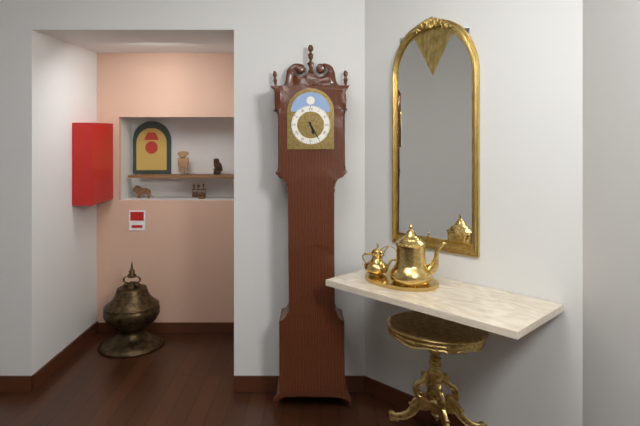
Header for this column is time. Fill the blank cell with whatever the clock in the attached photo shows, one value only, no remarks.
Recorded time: 5:25
